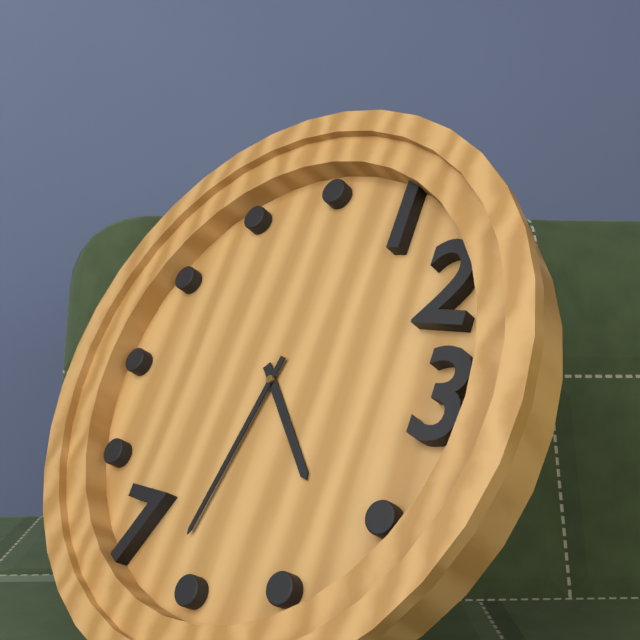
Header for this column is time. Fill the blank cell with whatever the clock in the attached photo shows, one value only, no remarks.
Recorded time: 4:32
